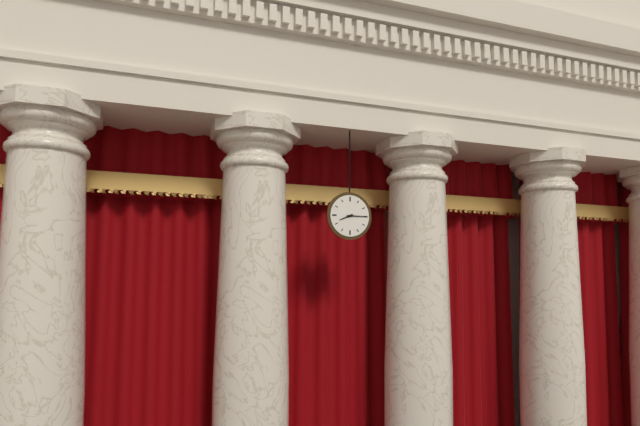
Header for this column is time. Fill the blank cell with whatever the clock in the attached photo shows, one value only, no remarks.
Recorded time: 8:15
